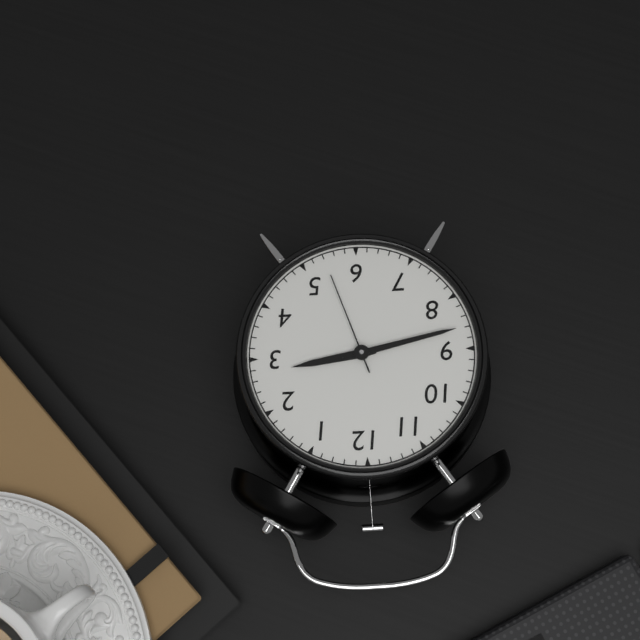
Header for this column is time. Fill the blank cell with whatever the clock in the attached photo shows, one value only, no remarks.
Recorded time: 2:43:27
